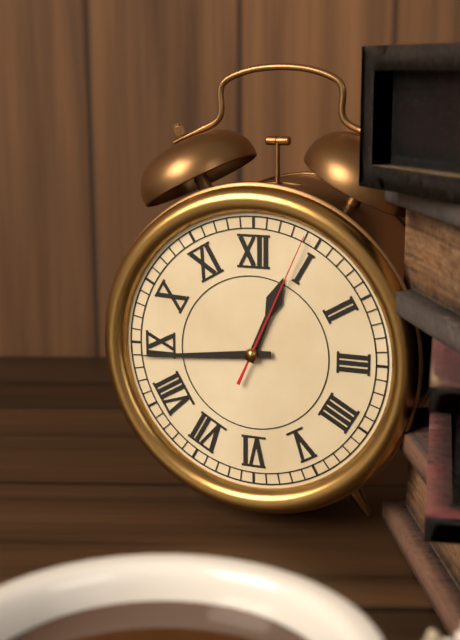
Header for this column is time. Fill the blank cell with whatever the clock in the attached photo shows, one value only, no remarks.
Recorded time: 12:44:04
